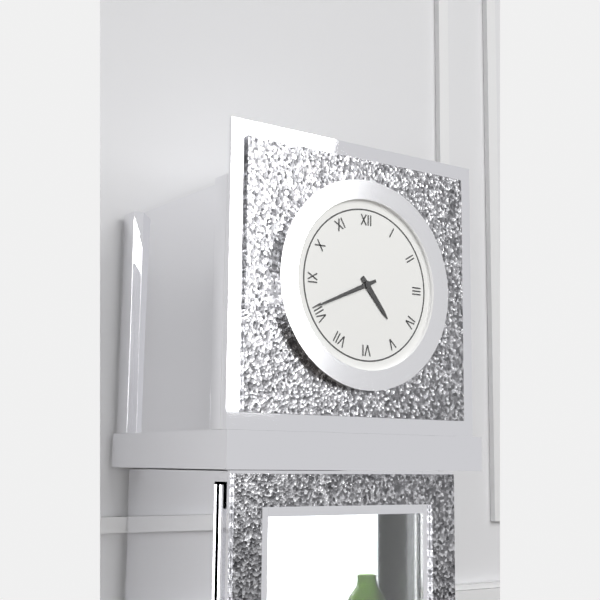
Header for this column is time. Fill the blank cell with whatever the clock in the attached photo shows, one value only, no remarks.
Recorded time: 4:41
